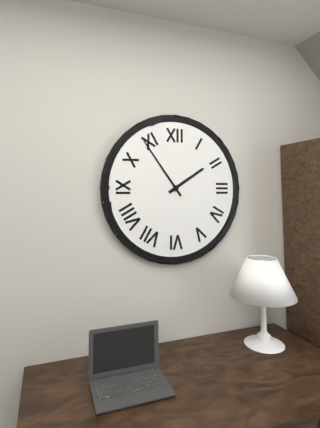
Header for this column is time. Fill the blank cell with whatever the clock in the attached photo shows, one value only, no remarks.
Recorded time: 1:54
